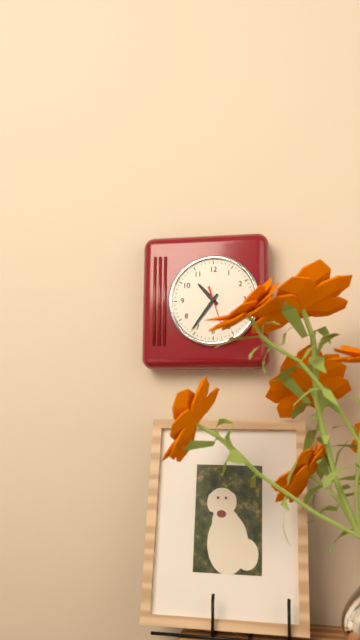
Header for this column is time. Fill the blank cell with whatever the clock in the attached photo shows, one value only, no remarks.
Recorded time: 10:36
